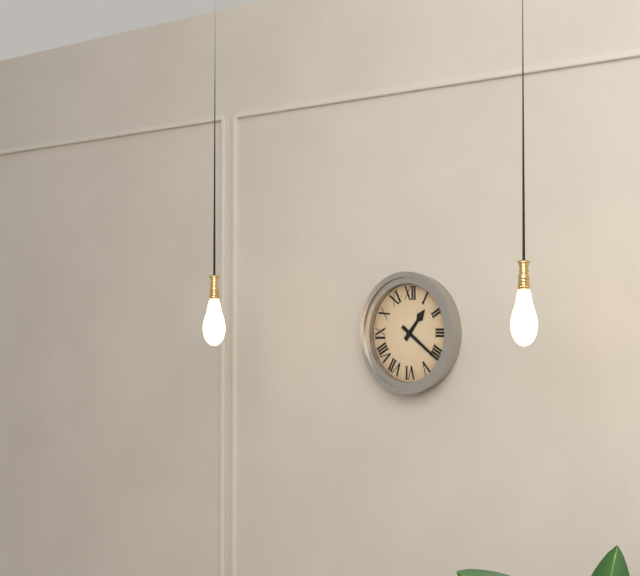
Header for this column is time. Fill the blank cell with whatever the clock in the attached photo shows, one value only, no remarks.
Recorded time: 1:21
